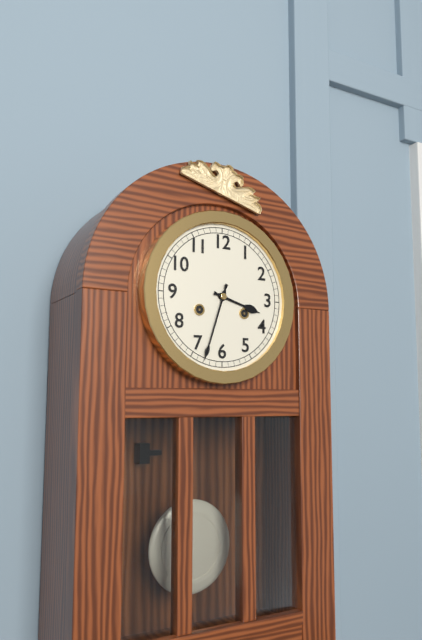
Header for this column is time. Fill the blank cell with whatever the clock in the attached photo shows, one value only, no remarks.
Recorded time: 3:33
